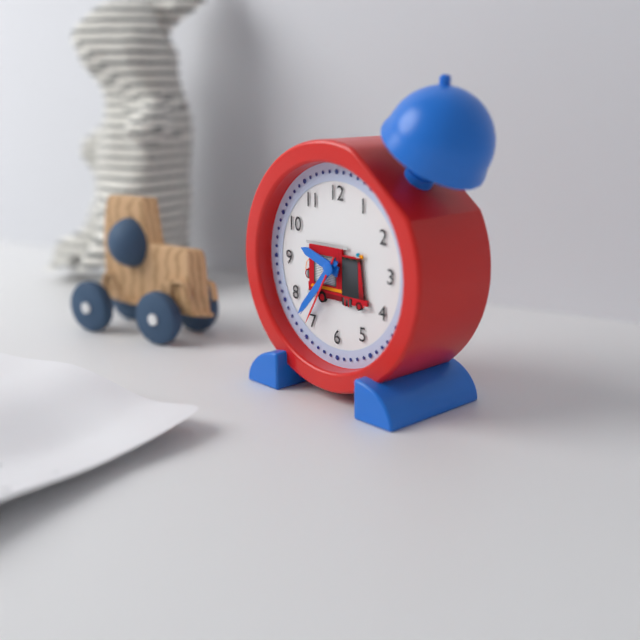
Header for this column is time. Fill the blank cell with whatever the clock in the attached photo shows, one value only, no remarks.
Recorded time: 9:37:35
